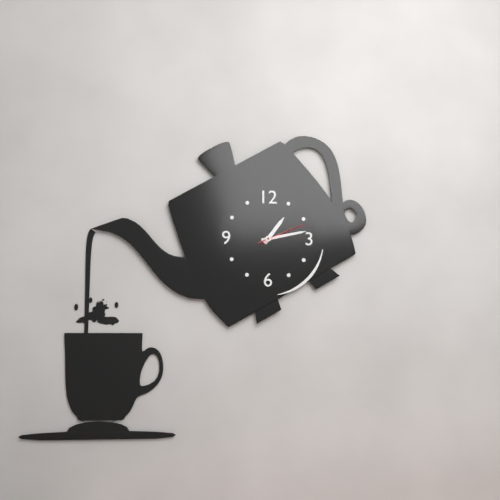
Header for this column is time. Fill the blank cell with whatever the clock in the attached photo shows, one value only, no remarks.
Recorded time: 1:13
